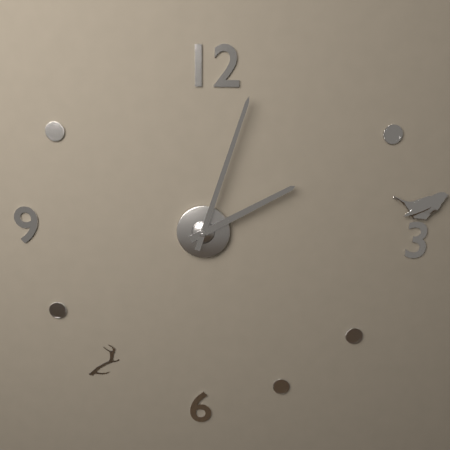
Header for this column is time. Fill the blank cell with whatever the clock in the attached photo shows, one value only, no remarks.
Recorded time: 2:03
